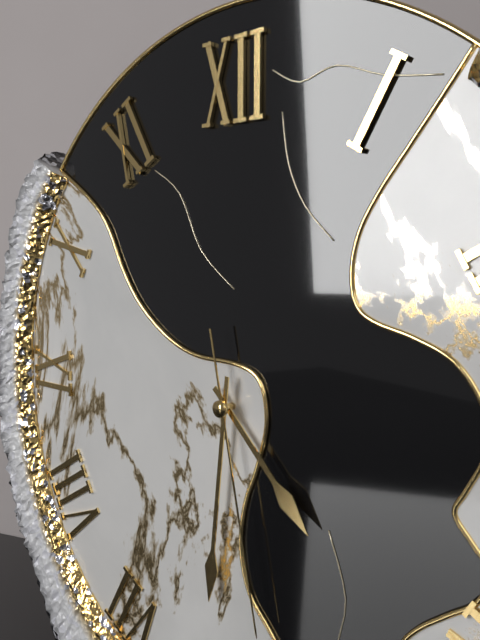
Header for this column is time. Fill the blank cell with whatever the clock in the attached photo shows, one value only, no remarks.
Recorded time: 4:31:28
